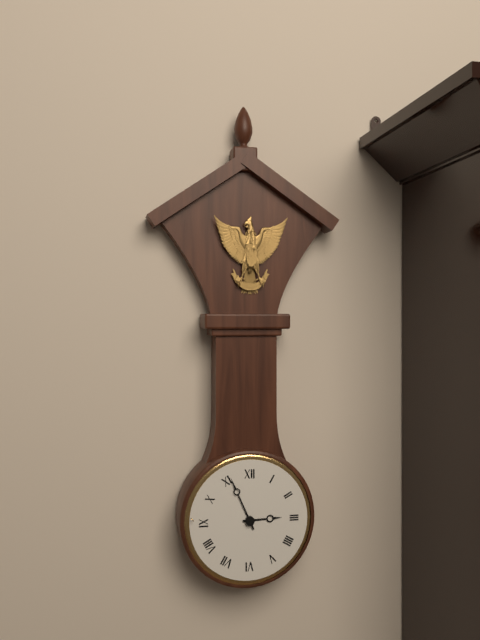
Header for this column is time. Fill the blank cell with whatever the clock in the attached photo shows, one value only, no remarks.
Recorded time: 2:56
